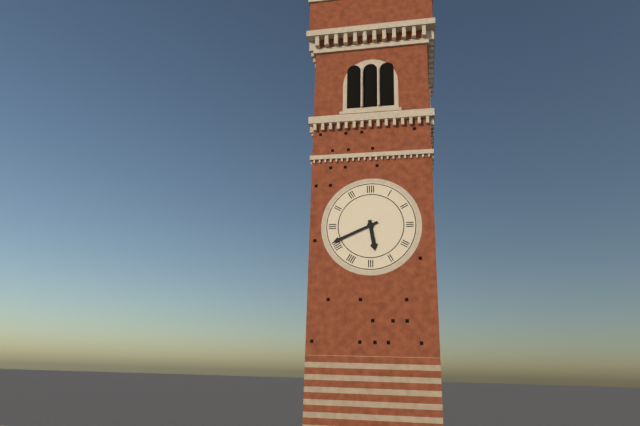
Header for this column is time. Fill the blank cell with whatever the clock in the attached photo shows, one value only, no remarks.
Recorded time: 5:41
